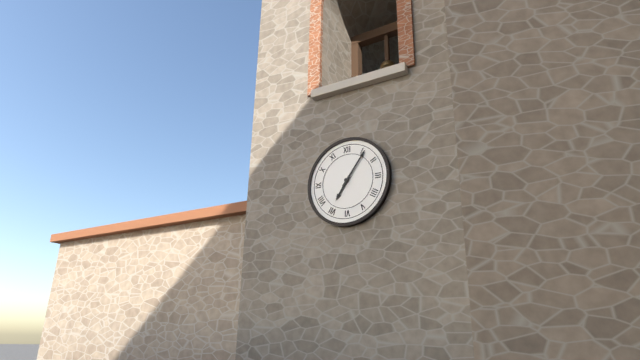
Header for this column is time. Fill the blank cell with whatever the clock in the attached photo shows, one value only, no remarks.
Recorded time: 7:06
